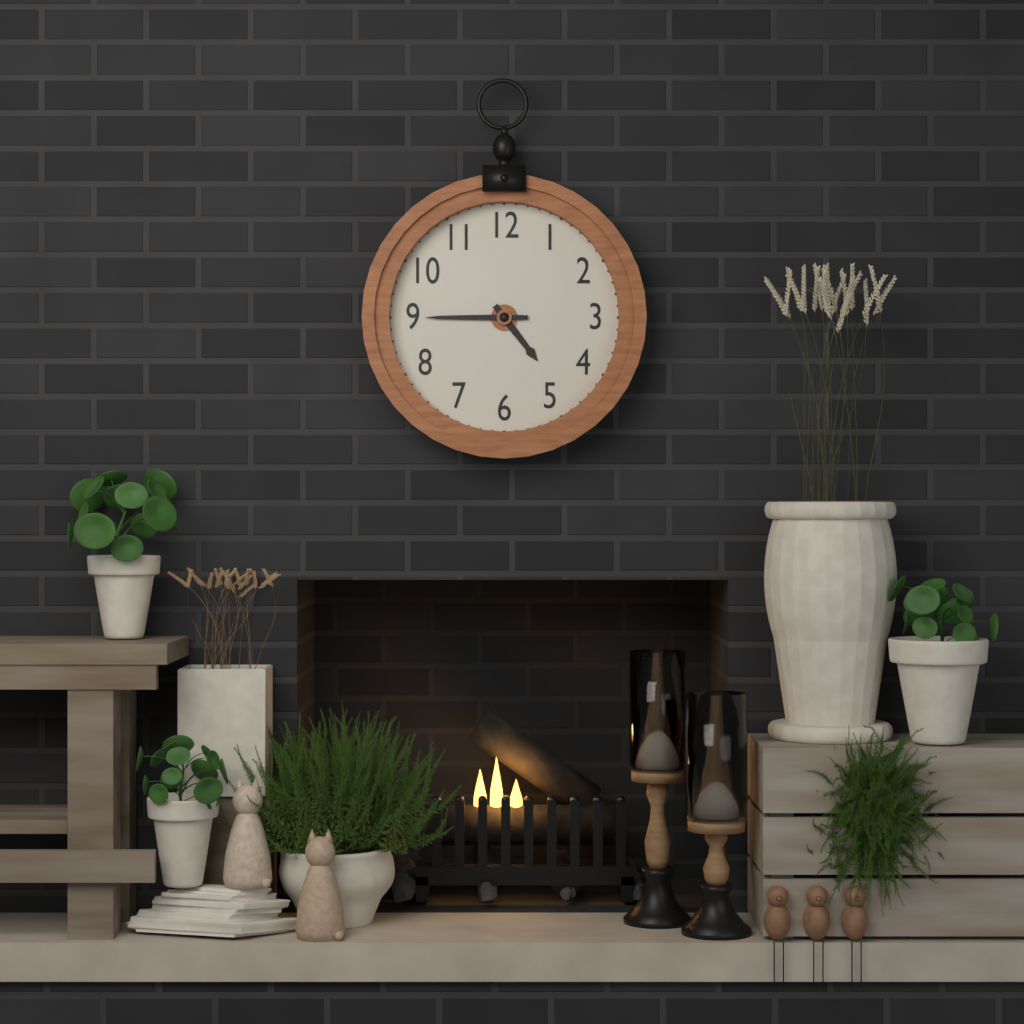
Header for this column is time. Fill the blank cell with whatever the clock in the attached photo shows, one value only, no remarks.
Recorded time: 4:45
